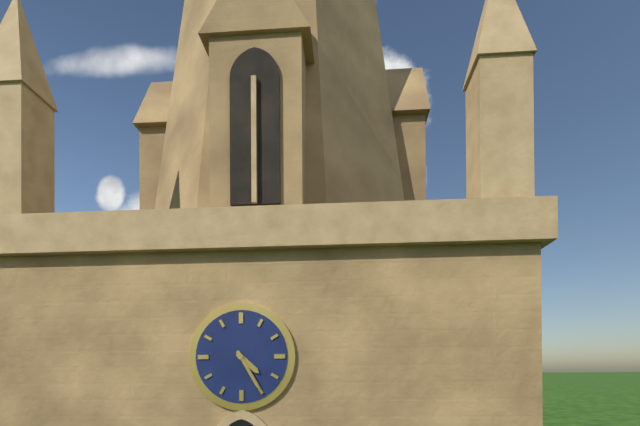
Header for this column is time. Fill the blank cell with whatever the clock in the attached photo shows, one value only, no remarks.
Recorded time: 4:25
